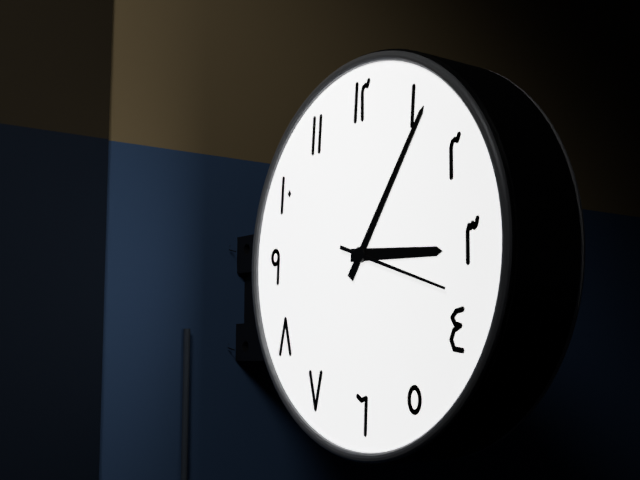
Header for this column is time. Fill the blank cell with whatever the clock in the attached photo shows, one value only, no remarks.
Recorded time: 3:06:18
